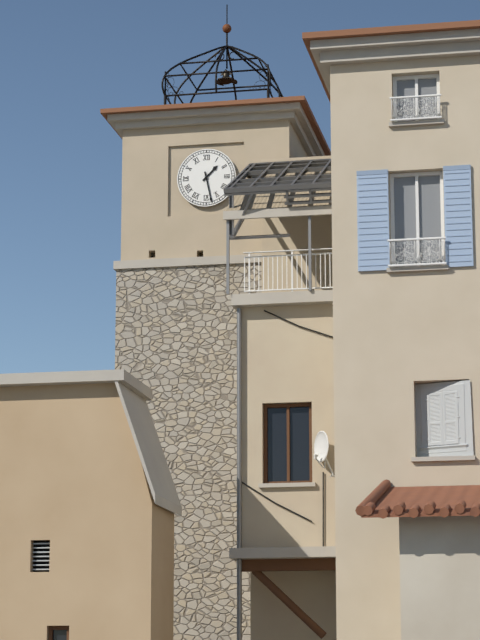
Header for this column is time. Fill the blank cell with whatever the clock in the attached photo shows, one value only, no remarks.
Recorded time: 1:28
